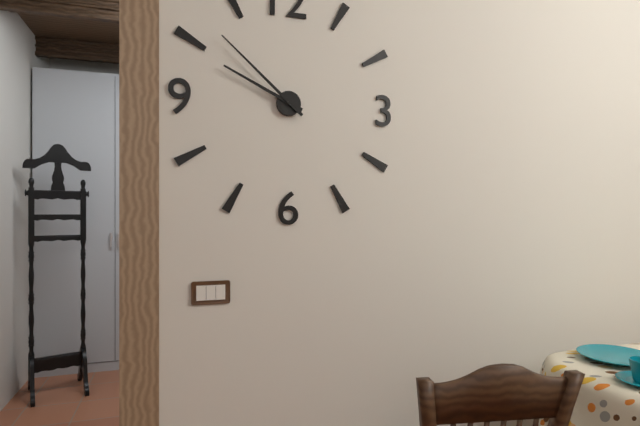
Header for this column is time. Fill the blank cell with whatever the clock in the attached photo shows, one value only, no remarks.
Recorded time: 9:52
